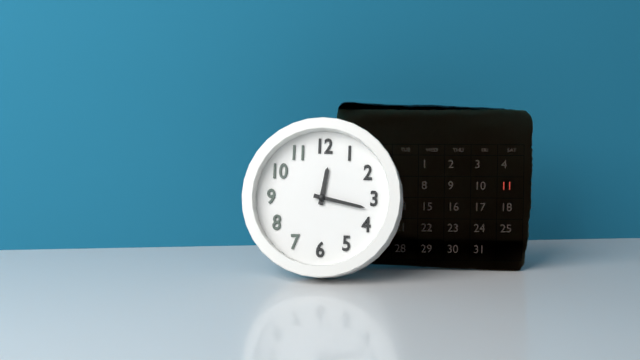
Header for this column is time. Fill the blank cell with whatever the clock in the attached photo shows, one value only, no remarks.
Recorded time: 12:17
